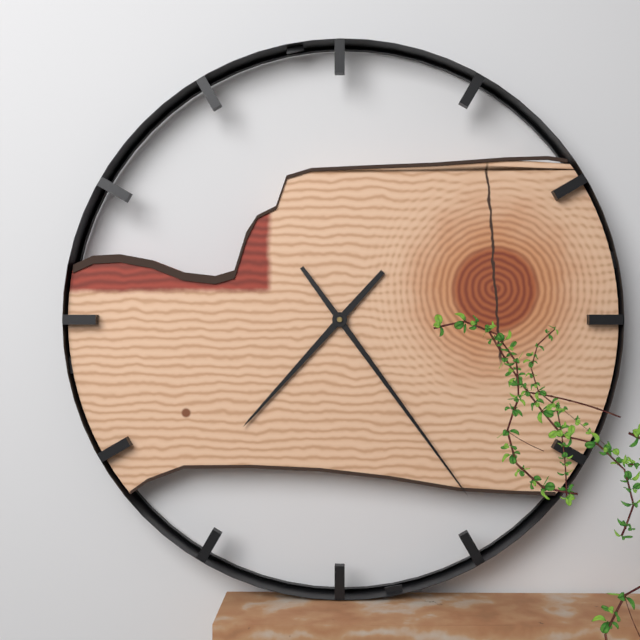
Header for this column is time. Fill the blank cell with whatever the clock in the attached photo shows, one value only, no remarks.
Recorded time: 7:24
